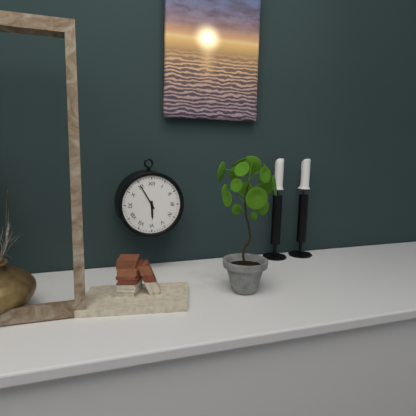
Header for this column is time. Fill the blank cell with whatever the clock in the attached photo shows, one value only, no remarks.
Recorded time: 5:55
